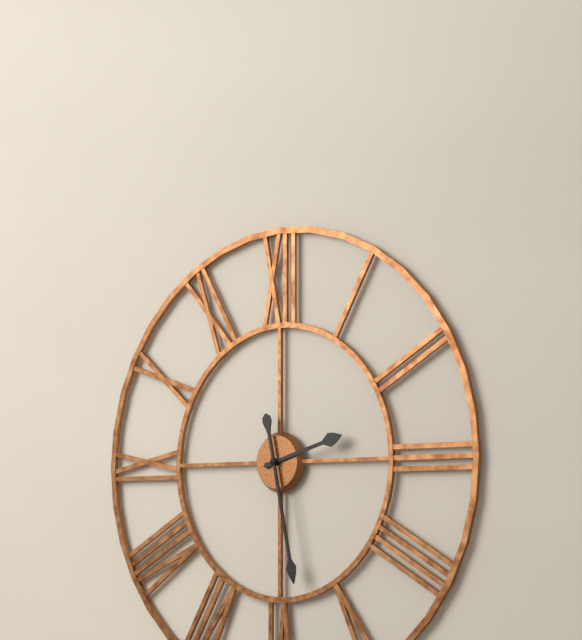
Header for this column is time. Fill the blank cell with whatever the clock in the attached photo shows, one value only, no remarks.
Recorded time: 2:28
